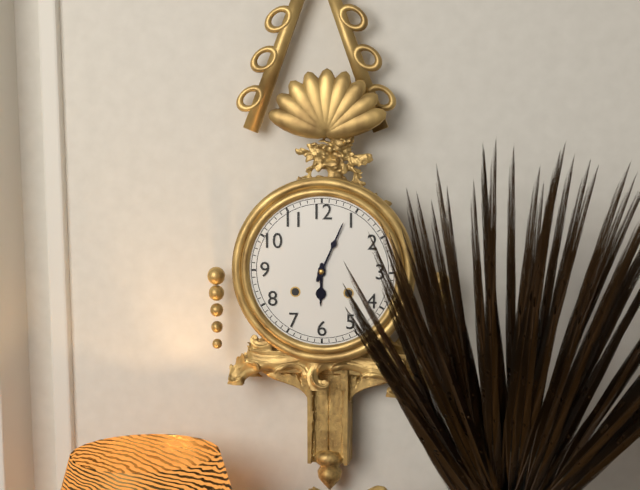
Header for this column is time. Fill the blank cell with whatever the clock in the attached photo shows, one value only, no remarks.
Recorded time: 6:04
